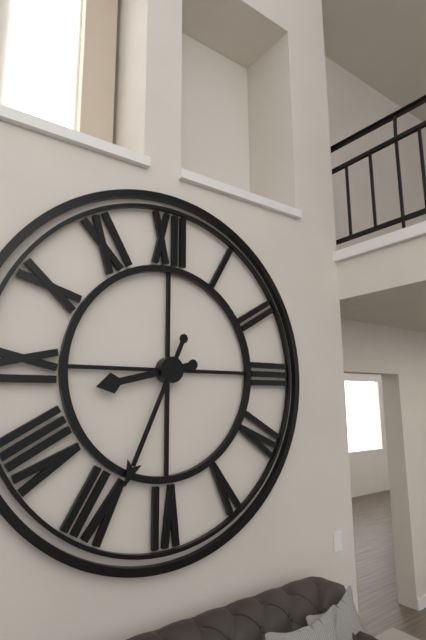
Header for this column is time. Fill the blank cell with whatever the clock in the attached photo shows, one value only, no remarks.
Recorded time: 8:34
